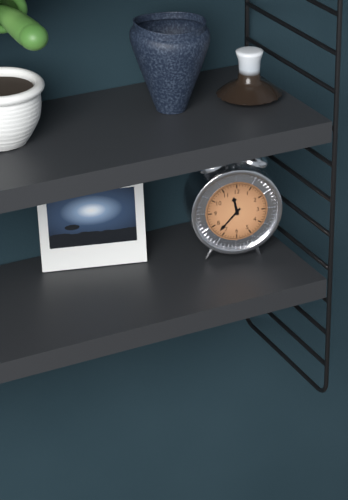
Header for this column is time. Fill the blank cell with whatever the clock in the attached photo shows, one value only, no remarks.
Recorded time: 11:37
